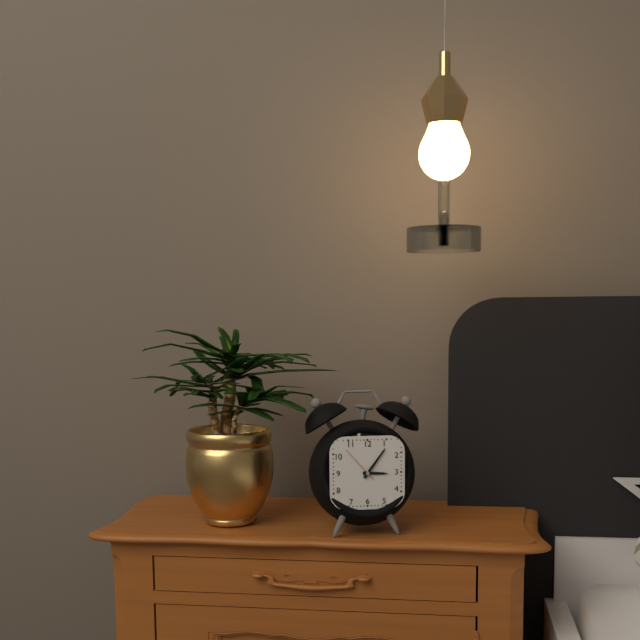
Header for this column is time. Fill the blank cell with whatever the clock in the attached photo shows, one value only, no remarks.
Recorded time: 3:06
